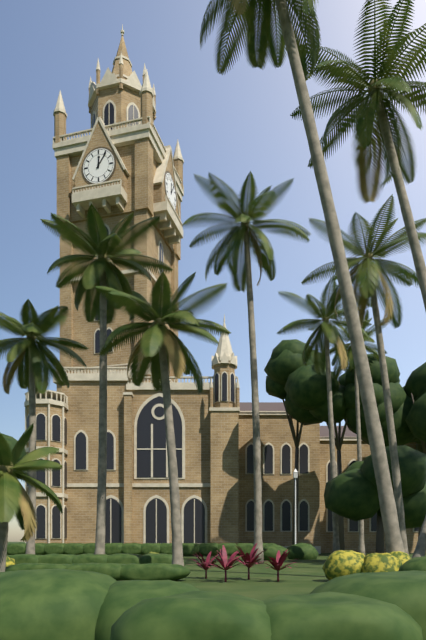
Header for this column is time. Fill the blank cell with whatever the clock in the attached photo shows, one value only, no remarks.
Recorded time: 12:06
